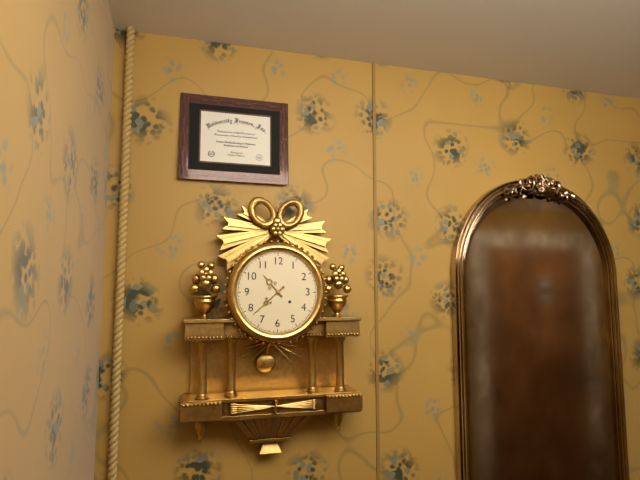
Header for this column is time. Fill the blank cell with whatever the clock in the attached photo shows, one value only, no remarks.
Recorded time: 10:38
